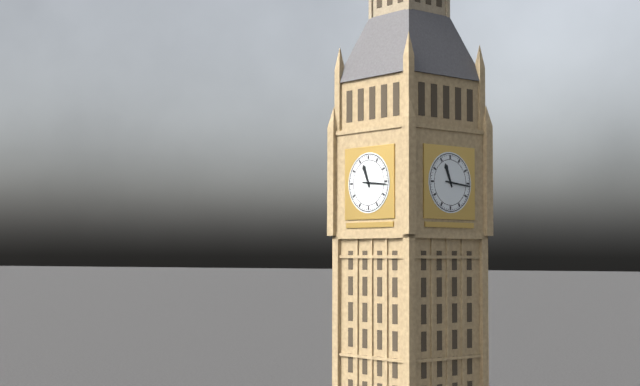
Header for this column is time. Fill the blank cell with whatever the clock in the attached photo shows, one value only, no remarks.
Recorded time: 11:16
